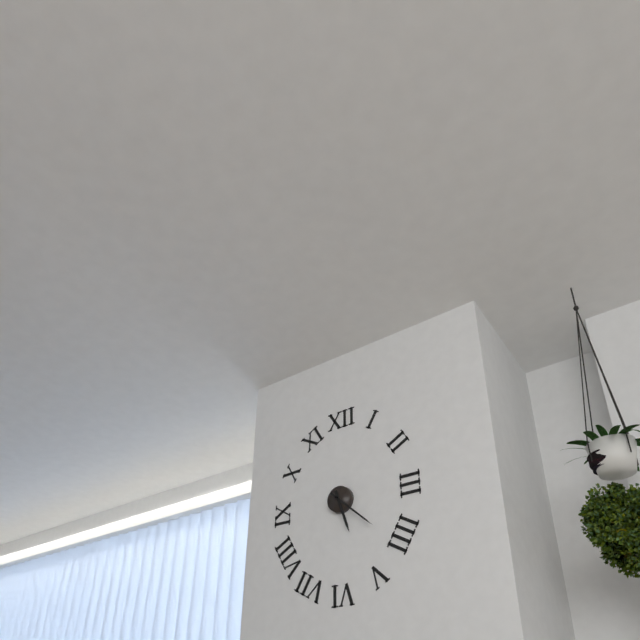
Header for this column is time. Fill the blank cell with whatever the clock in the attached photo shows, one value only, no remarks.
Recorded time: 5:22
